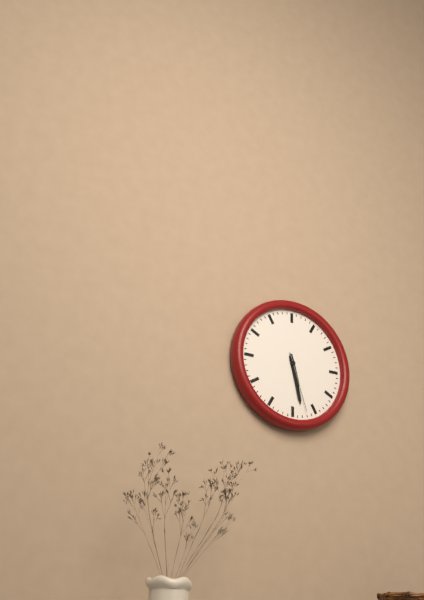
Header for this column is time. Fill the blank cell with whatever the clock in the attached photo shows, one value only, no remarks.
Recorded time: 5:28:27
